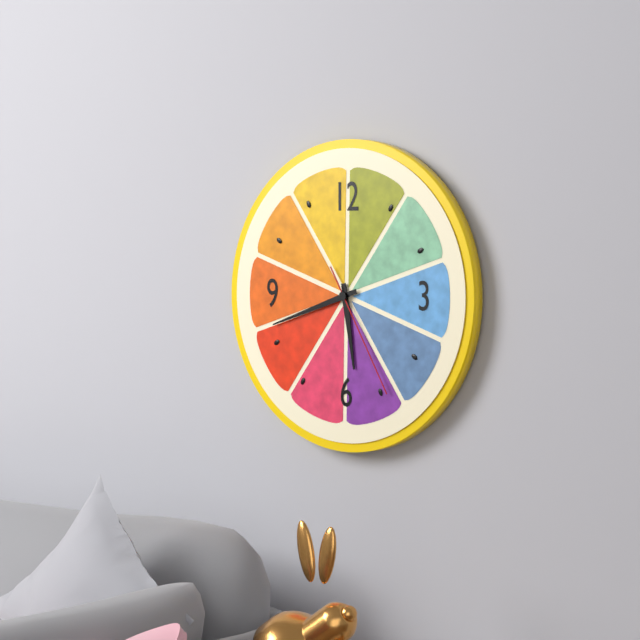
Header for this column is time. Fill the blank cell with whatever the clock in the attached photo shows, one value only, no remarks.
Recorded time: 5:42:25
